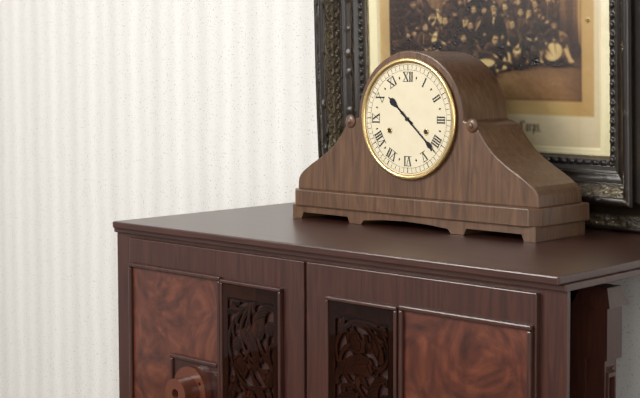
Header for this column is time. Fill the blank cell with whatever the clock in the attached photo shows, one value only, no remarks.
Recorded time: 10:22
